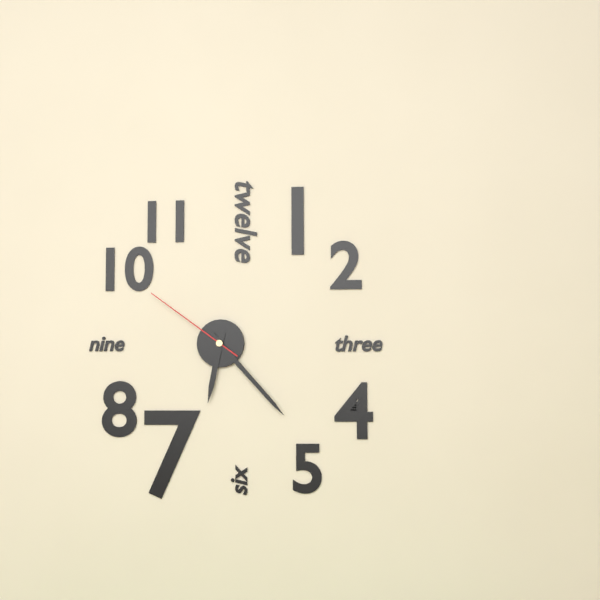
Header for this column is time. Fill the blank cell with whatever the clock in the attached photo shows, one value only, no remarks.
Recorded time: 6:23:51
